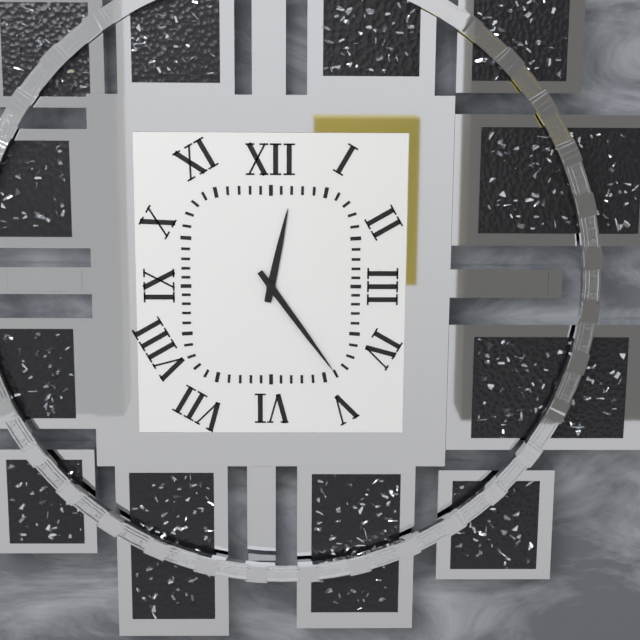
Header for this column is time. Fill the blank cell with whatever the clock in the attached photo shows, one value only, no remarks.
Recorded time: 12:24
